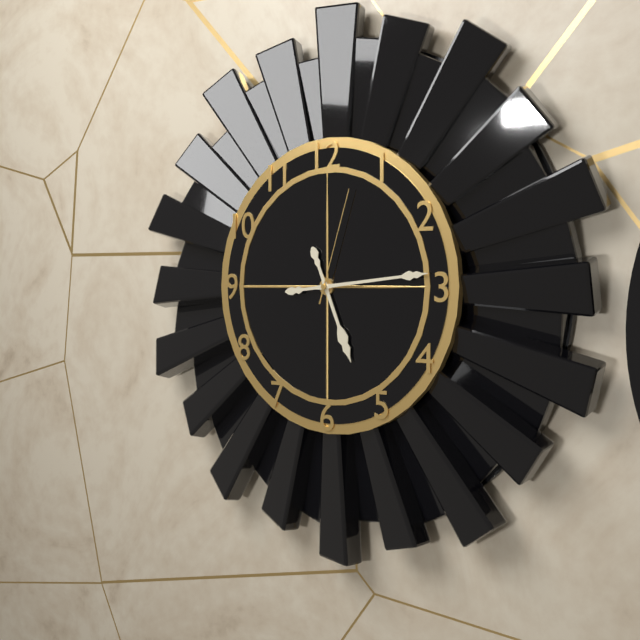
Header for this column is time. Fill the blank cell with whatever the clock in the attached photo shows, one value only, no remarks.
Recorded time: 5:14:03
